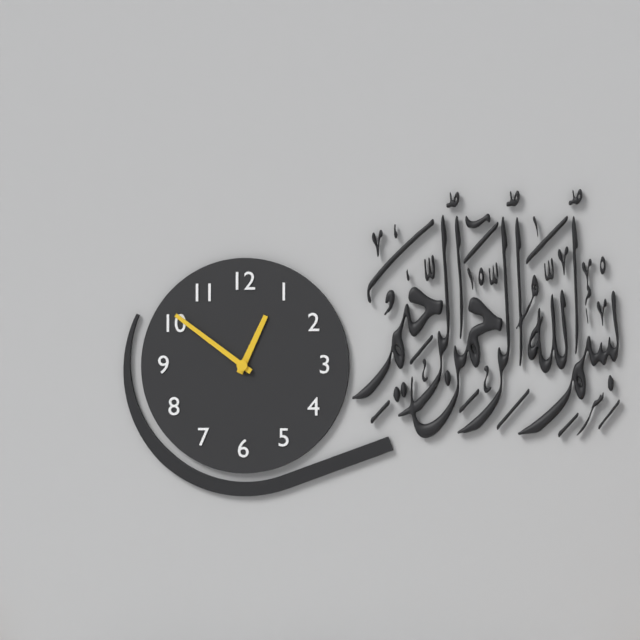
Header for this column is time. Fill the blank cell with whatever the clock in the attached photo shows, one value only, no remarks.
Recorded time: 12:51
